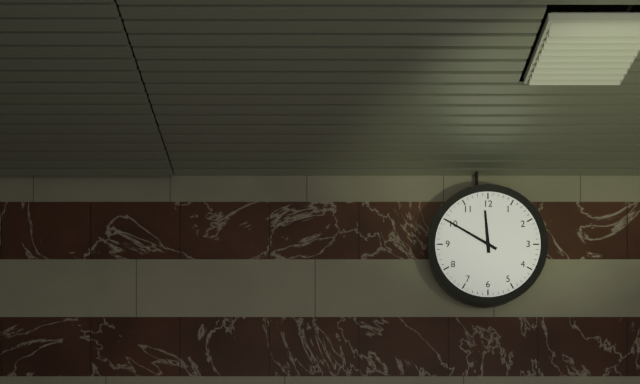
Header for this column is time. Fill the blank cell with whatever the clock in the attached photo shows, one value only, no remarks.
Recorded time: 11:50
